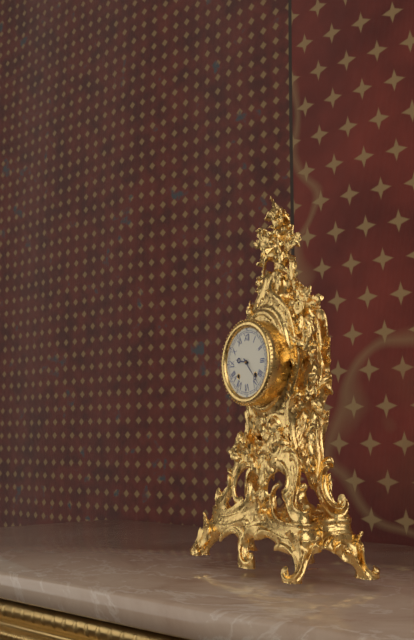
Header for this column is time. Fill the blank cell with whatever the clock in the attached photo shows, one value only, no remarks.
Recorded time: 9:23
